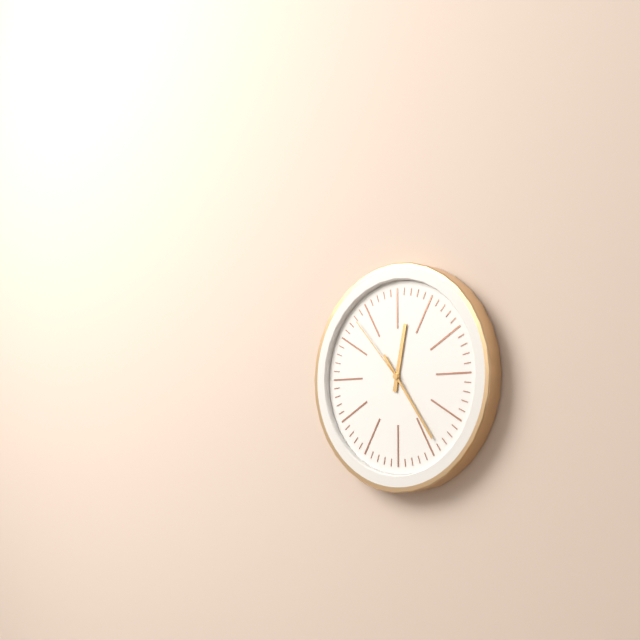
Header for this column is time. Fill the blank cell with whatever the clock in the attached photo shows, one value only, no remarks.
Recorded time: 12:24:53
